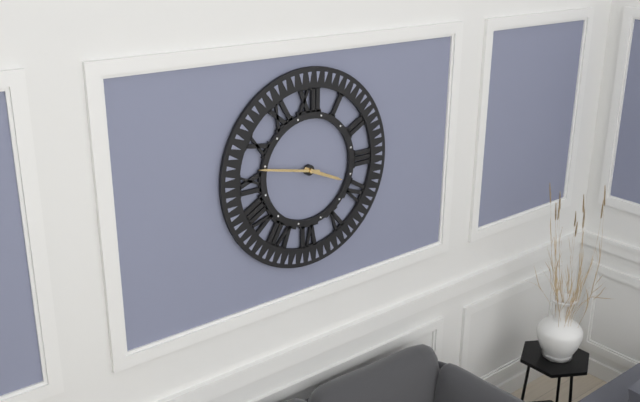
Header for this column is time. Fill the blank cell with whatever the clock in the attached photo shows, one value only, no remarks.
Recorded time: 3:47
